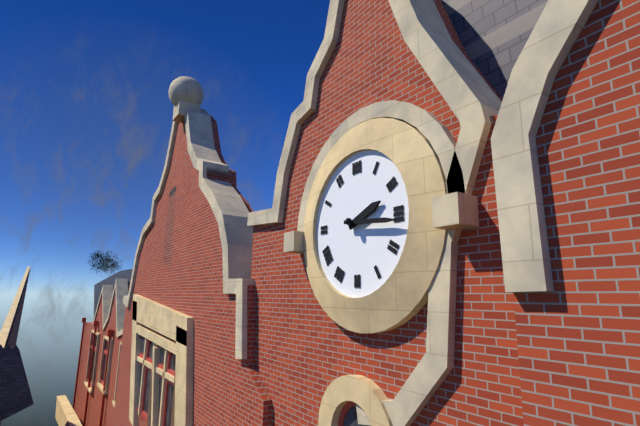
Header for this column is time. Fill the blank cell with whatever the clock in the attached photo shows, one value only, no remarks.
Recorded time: 2:16
